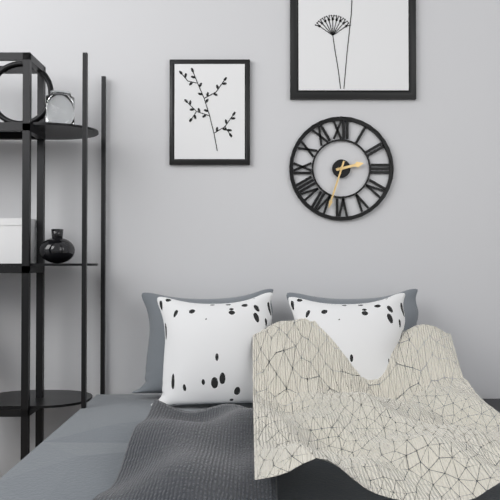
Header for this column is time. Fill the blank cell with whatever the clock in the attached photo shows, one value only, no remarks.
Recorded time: 2:33
